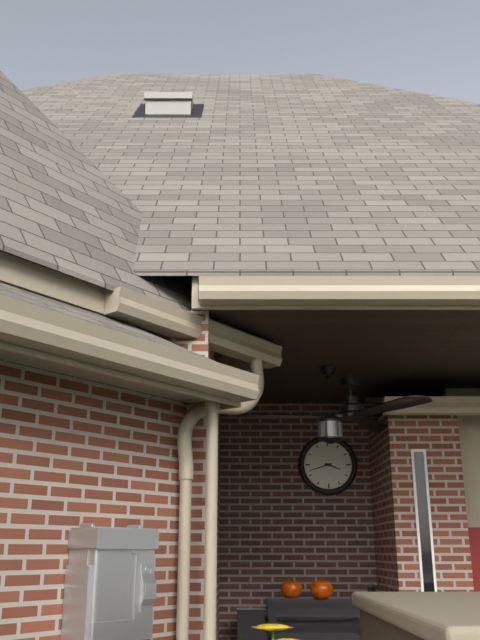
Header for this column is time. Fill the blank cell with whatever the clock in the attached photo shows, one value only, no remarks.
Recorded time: 3:42
